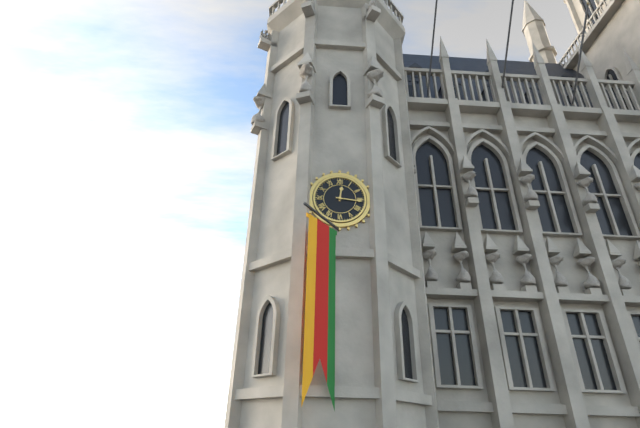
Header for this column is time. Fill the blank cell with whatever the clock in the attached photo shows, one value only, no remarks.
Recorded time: 12:16
